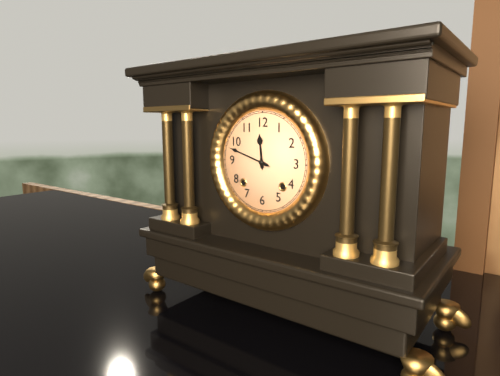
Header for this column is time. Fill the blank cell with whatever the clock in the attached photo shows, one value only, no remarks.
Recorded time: 11:48
